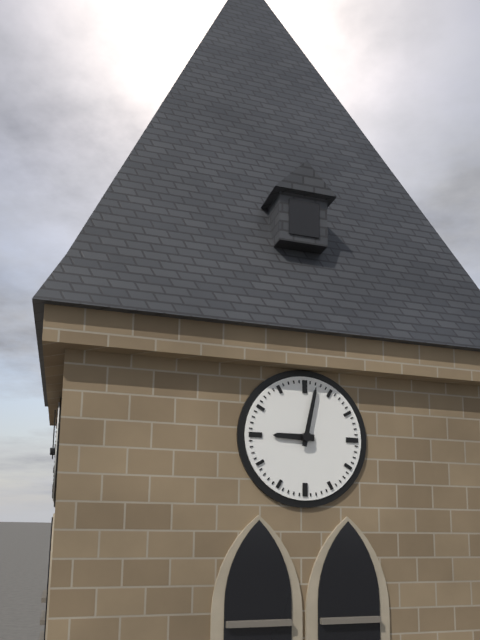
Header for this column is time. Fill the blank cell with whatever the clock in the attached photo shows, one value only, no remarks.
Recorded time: 9:02
